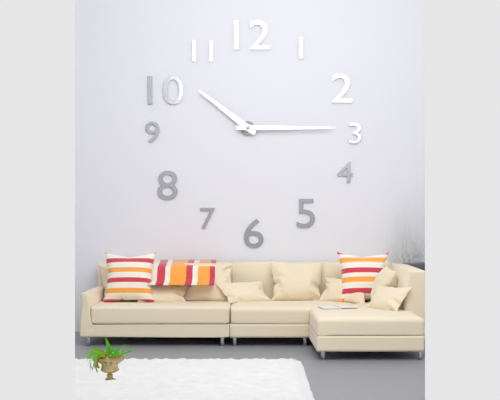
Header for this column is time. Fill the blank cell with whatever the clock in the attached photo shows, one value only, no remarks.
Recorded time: 10:15
